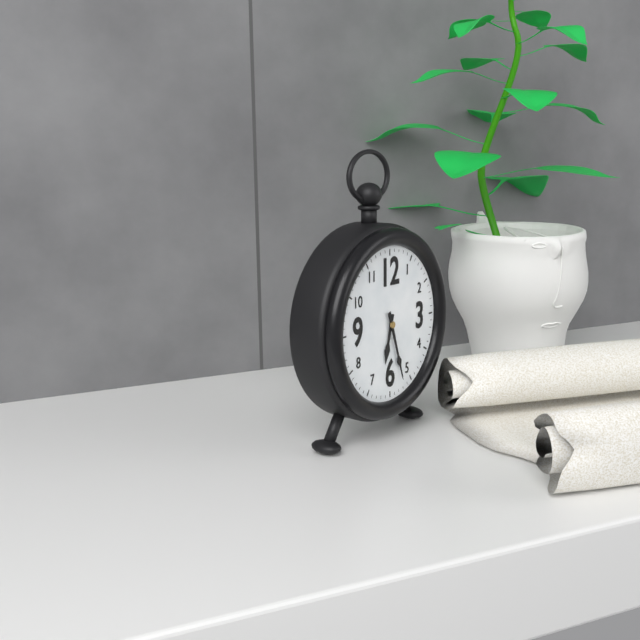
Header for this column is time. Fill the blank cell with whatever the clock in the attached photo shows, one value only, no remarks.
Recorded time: 6:27
